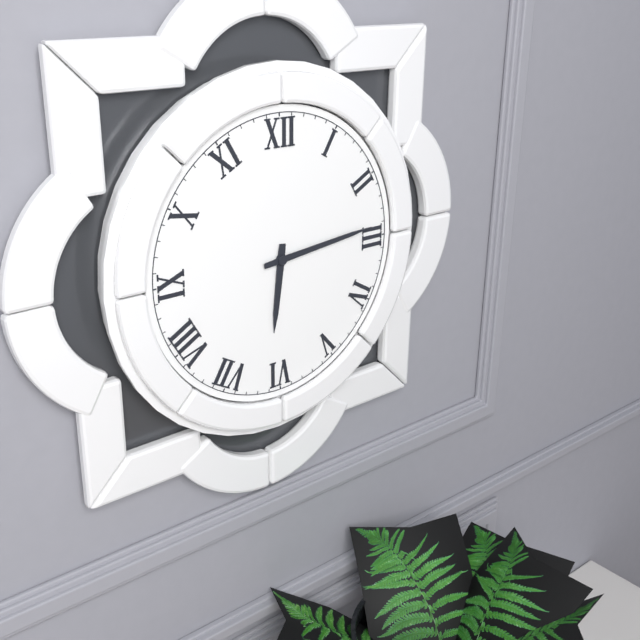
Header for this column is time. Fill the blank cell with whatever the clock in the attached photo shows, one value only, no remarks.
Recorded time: 6:14
